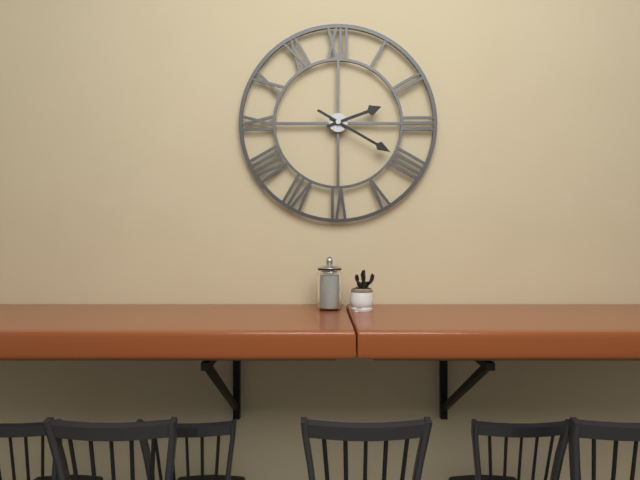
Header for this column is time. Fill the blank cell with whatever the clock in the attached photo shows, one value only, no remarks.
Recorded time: 2:20
